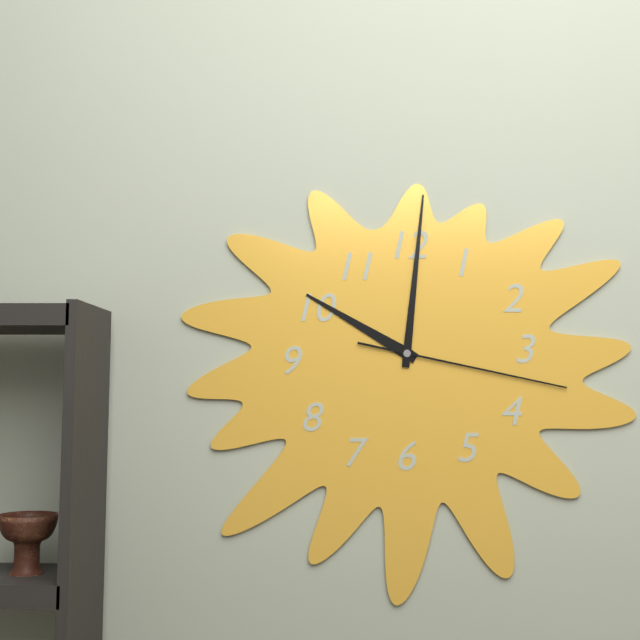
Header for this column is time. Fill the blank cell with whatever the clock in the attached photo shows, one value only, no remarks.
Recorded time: 10:01:17
